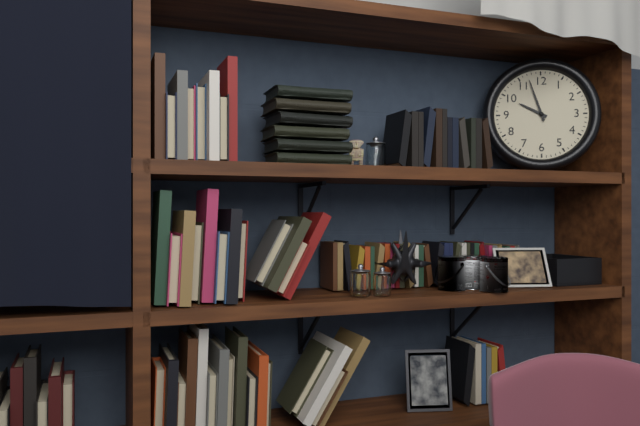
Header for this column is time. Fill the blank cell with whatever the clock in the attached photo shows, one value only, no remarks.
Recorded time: 9:57
